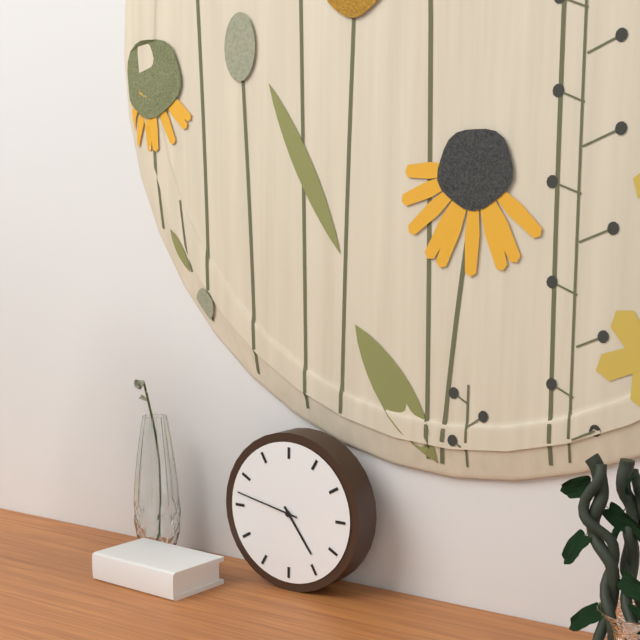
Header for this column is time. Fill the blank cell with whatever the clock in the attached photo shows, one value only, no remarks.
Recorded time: 4:47
